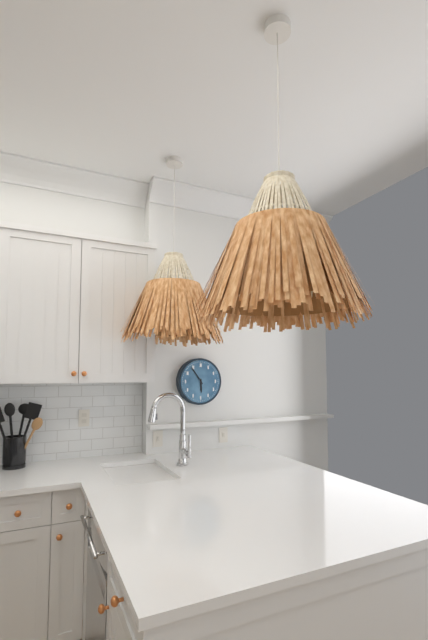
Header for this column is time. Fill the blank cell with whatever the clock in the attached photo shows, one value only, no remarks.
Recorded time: 5:54
